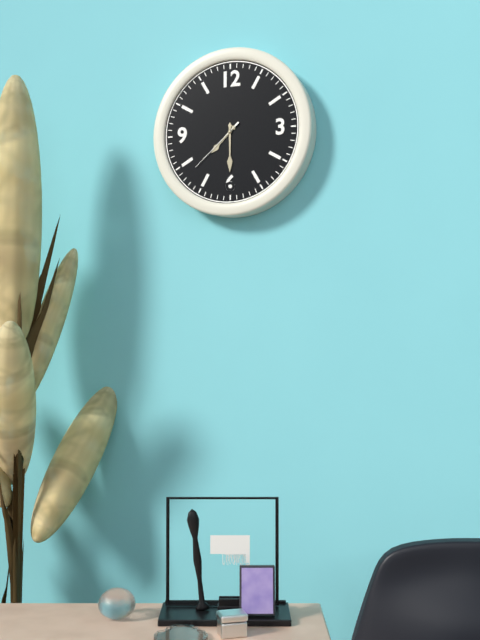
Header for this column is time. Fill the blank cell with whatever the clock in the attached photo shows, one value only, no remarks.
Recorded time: 7:30:38
